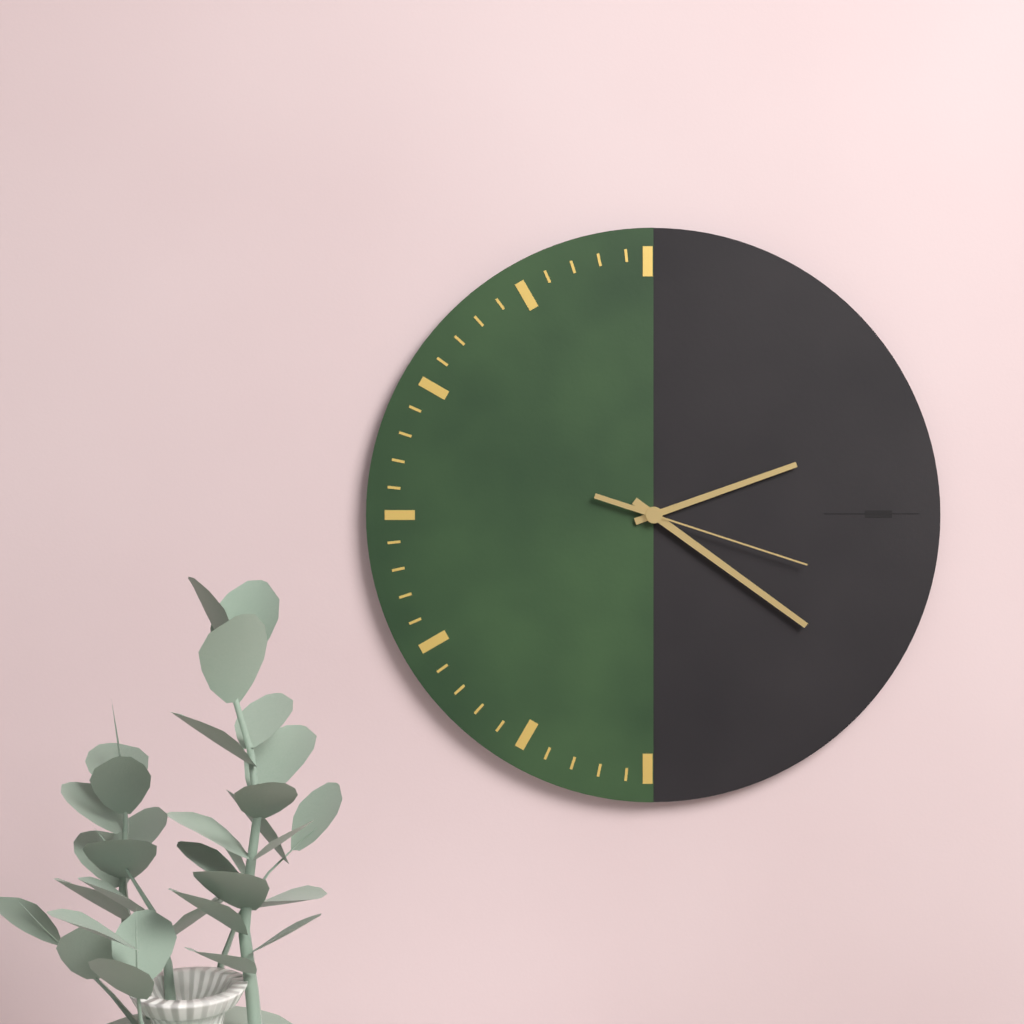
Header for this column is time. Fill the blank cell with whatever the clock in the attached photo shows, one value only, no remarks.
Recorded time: 2:21:18
